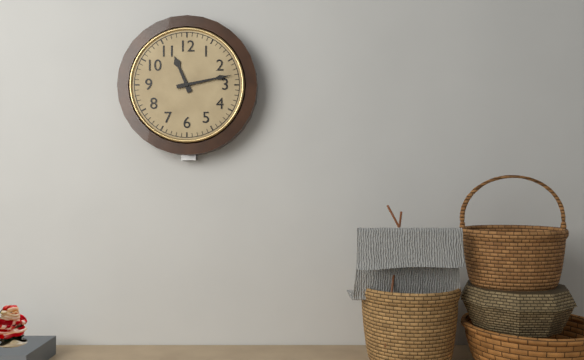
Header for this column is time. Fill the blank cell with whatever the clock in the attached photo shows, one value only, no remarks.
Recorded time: 11:13
